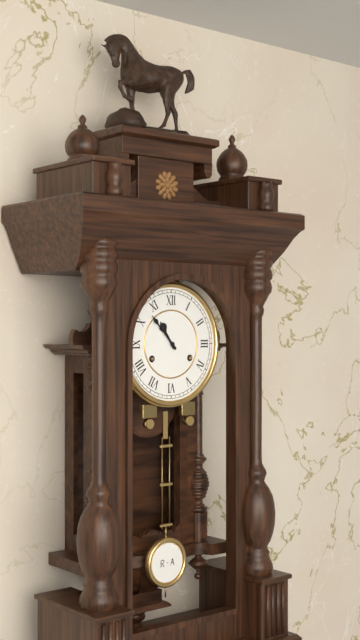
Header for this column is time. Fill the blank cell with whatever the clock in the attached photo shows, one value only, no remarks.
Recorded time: 10:53
